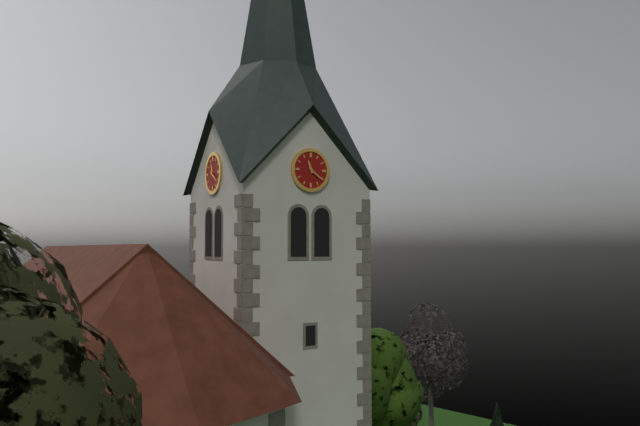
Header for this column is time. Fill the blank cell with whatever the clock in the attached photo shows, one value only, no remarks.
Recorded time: 11:21
